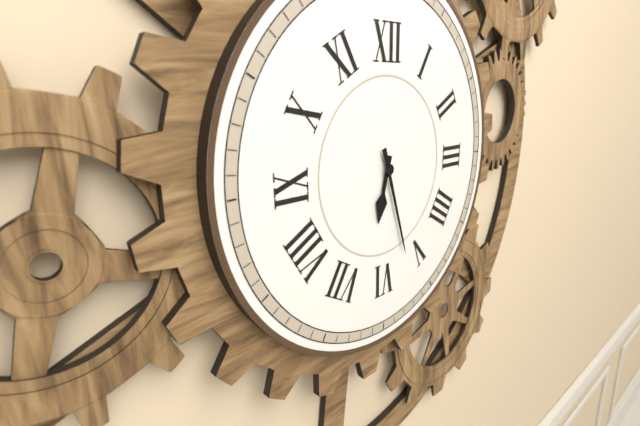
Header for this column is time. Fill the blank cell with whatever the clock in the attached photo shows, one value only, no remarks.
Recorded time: 6:27
